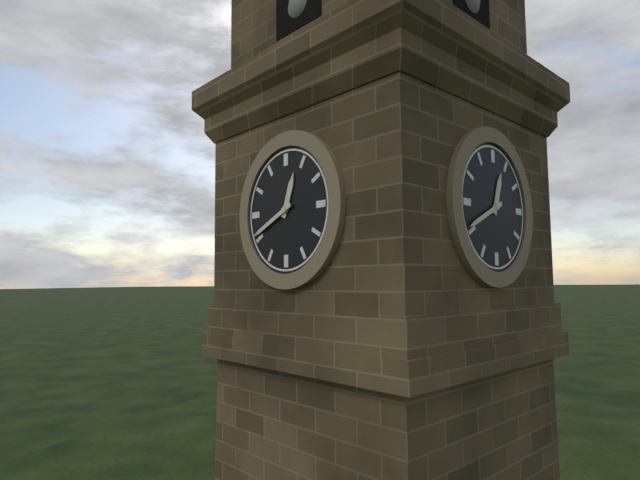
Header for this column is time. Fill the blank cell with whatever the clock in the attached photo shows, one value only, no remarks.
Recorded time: 12:41
